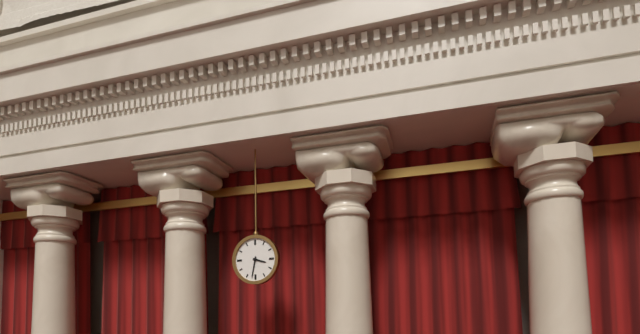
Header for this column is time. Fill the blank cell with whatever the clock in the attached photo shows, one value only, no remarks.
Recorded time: 3:32
